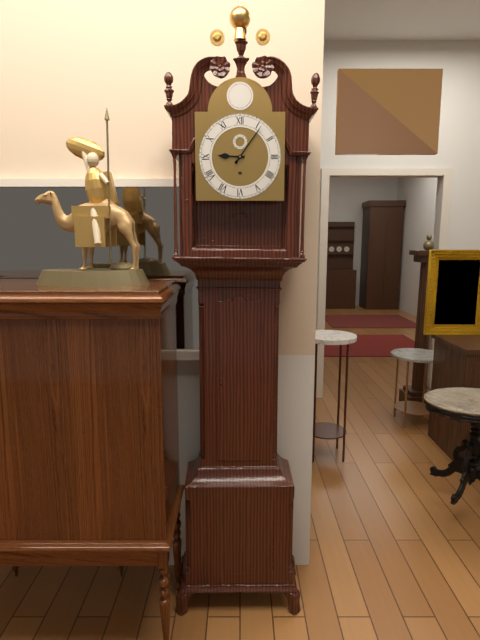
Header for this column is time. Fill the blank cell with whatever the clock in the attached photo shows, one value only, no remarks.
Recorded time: 9:06
